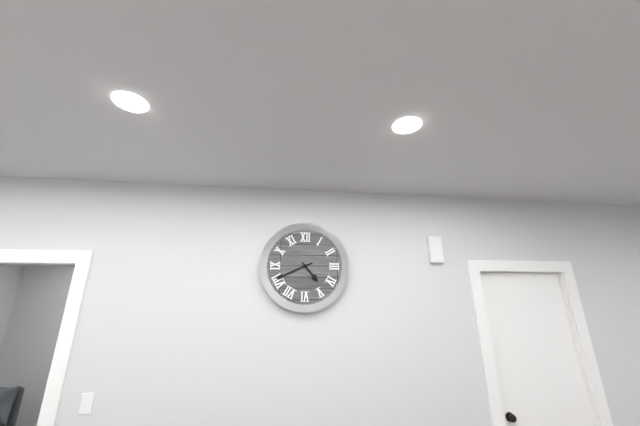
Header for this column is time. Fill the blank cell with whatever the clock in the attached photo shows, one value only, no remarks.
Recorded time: 4:41
